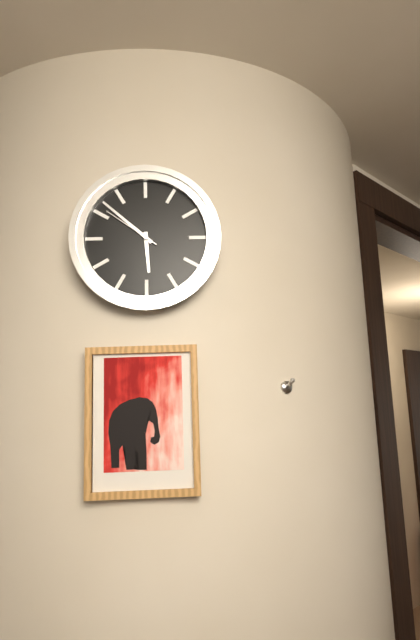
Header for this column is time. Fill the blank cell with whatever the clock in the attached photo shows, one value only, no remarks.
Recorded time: 5:52:51
